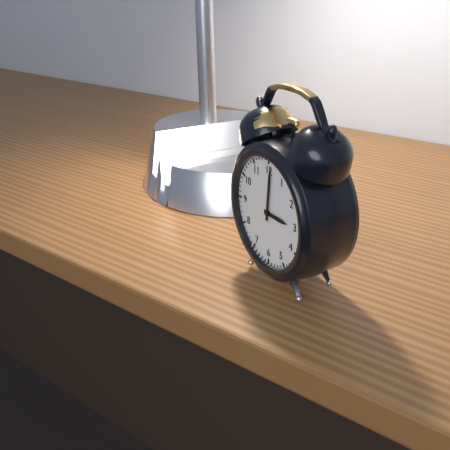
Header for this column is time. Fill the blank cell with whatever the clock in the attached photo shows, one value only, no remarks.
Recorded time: 3:01
